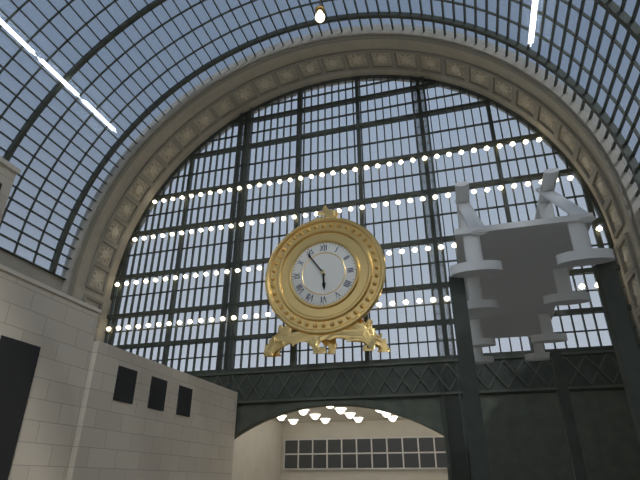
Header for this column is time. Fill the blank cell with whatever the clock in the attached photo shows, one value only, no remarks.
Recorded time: 5:54
